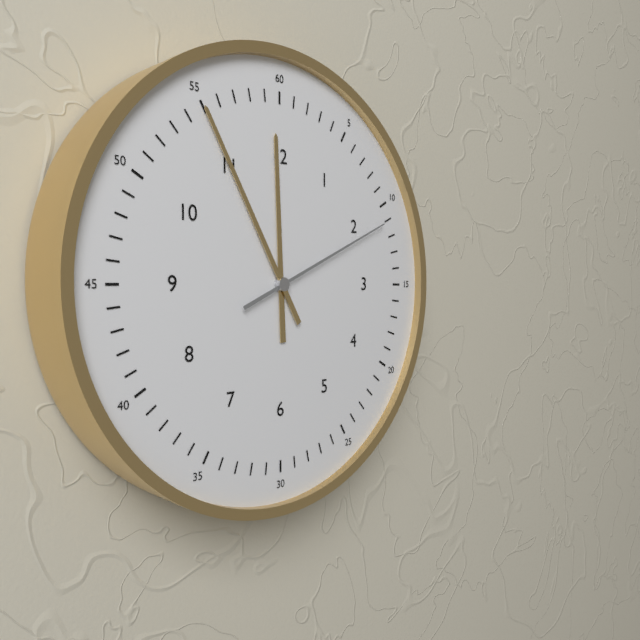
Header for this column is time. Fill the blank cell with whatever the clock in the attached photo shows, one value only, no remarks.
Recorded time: 11:55:11
